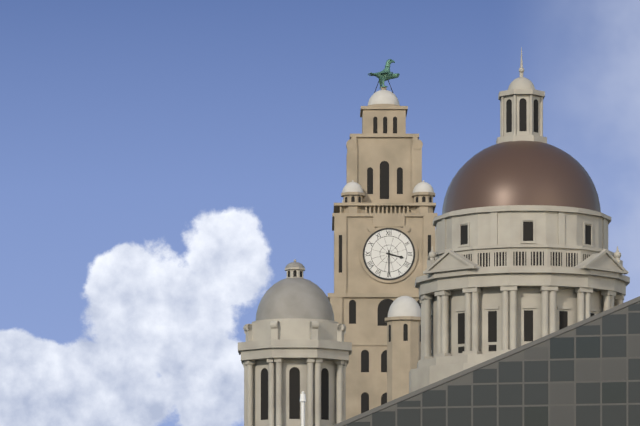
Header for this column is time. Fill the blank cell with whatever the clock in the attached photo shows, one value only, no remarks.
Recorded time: 3:30
